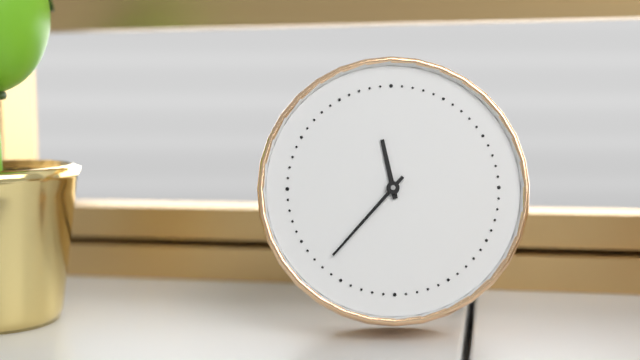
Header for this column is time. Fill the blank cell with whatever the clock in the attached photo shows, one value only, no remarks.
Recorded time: 11:37
